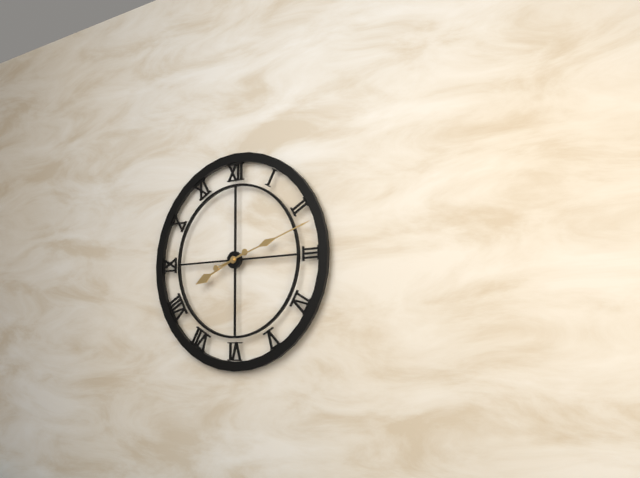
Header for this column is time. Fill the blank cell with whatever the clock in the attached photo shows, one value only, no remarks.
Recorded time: 8:12
